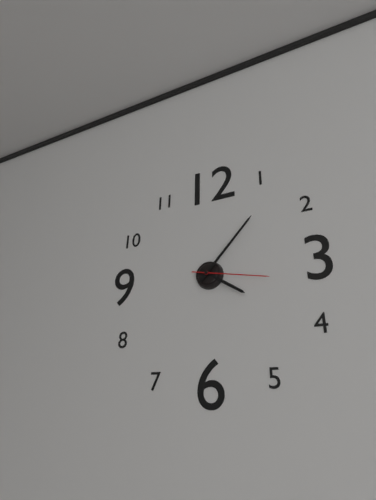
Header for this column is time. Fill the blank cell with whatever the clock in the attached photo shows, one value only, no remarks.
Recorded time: 4:07:17
